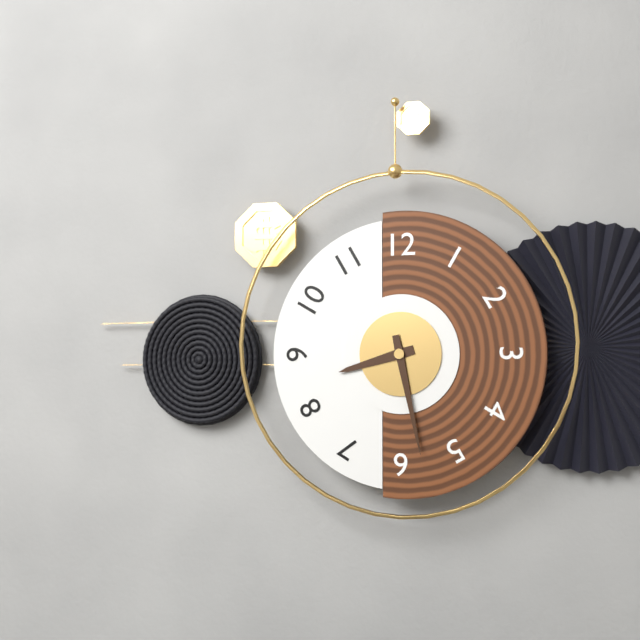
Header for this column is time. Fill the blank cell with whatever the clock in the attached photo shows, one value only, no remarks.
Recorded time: 8:28
